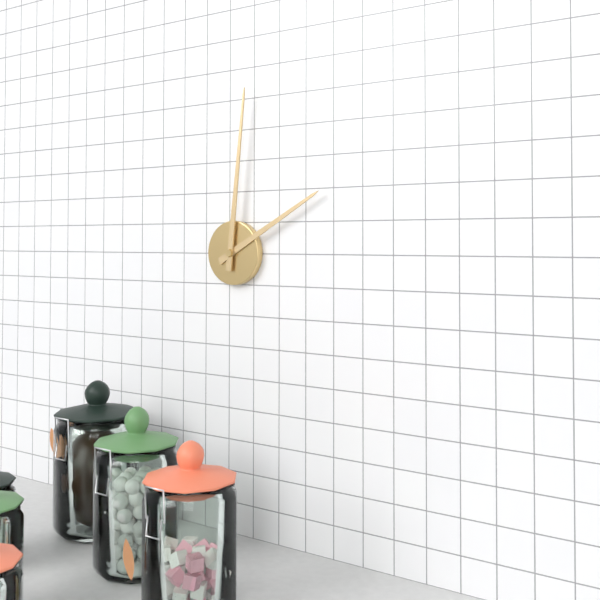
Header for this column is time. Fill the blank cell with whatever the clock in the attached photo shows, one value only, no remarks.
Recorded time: 2:01
